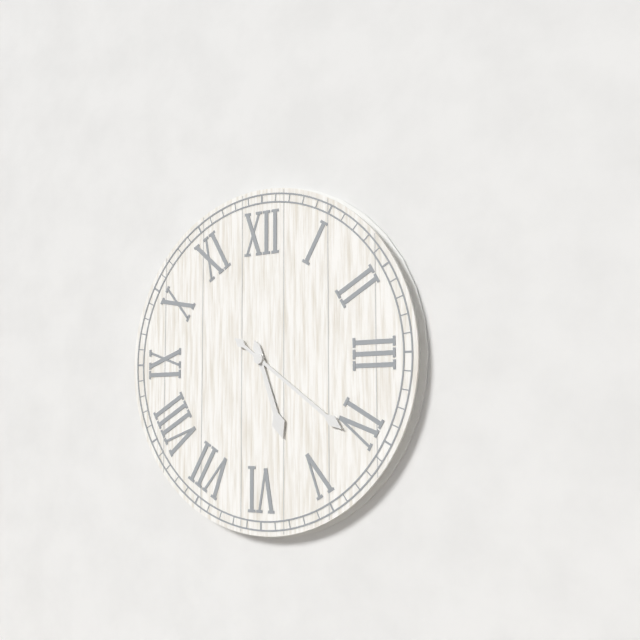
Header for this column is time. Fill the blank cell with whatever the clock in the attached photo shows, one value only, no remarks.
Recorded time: 5:21
